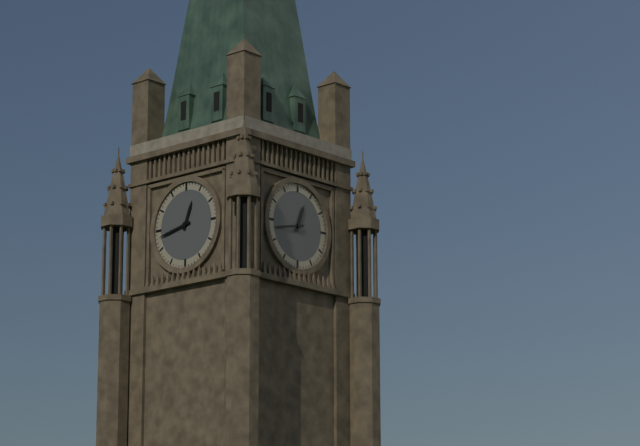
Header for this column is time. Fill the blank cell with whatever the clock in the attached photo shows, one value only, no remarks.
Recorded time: 12:43
